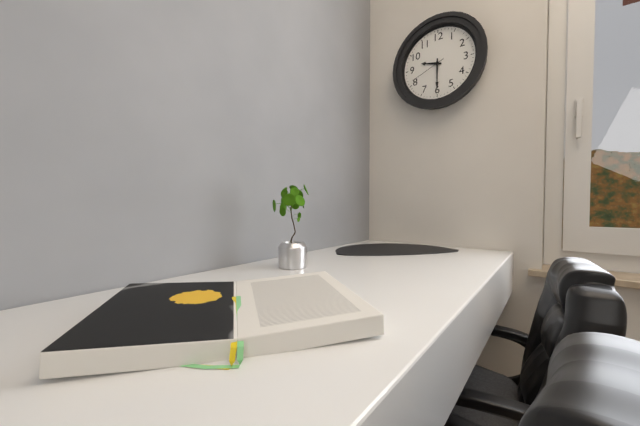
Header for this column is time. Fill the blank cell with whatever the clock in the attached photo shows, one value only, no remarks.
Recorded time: 9:30
